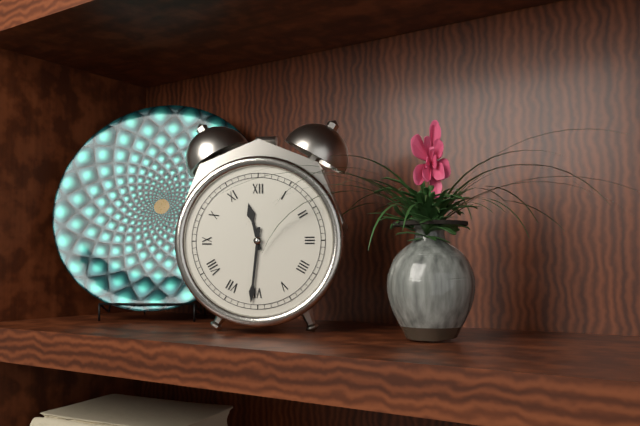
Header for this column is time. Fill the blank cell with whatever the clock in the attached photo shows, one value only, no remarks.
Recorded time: 11:31
